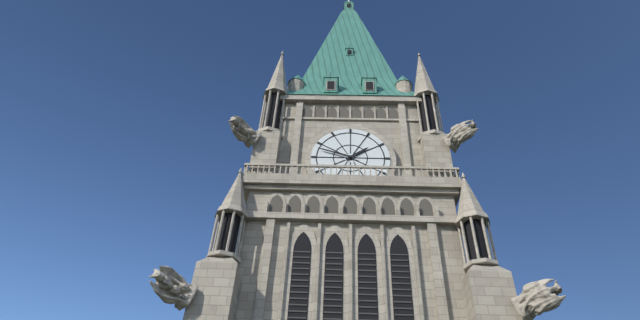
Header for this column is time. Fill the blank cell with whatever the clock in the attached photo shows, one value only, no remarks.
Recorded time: 1:48
